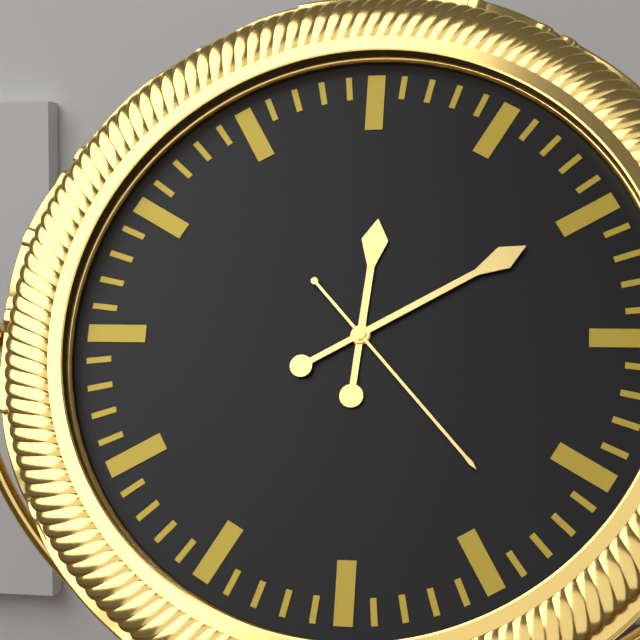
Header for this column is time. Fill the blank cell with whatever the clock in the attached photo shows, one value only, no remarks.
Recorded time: 12:10:23
